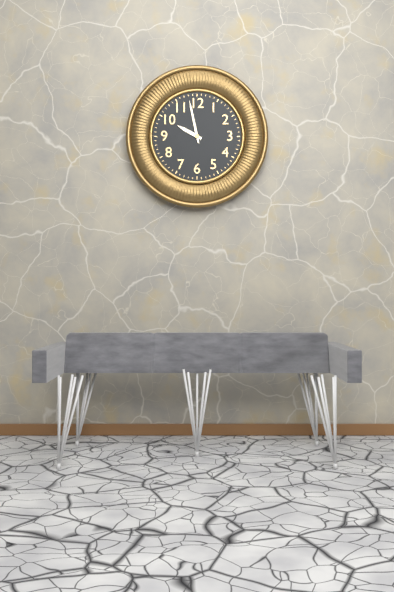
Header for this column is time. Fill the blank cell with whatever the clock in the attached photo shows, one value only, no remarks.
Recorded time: 9:58
